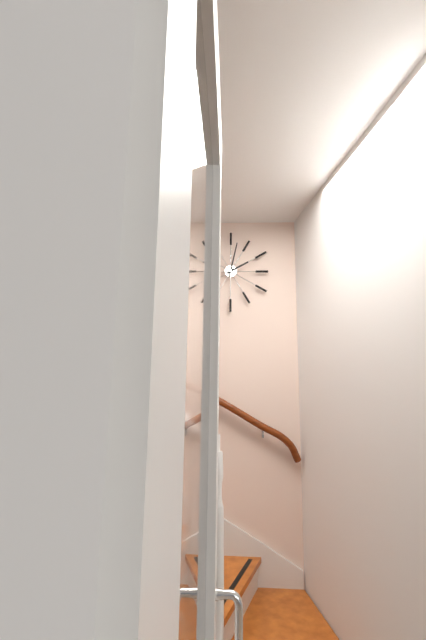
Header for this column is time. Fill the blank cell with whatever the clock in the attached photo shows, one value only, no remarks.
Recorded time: 2:02
